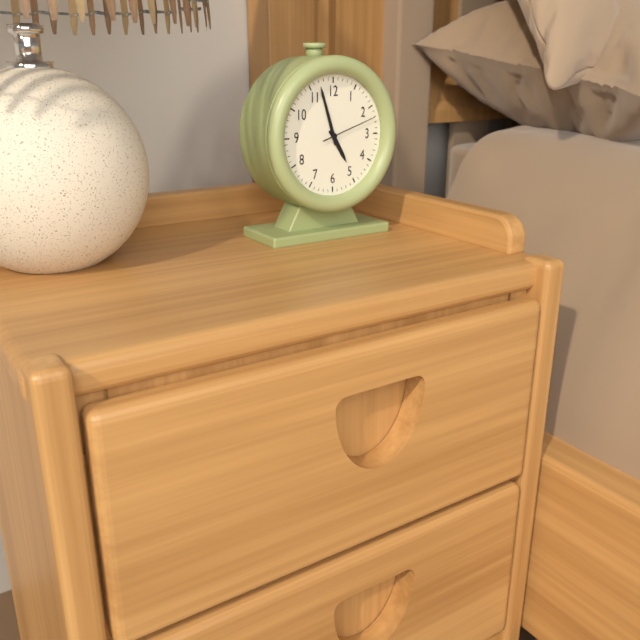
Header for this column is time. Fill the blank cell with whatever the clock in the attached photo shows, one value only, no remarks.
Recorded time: 4:57:12
